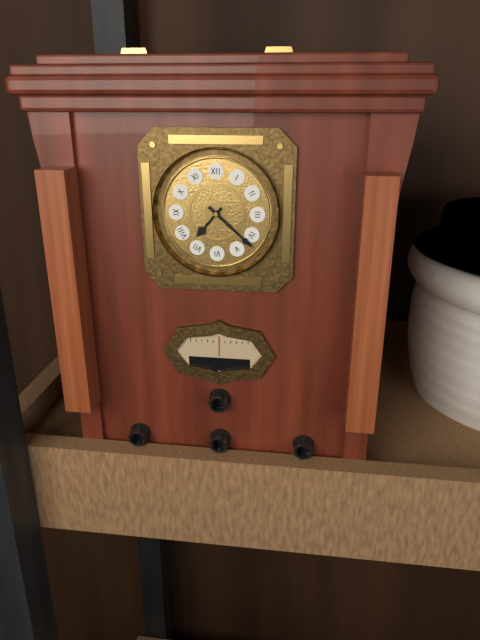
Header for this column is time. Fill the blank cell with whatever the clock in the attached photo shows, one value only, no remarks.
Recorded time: 7:22
